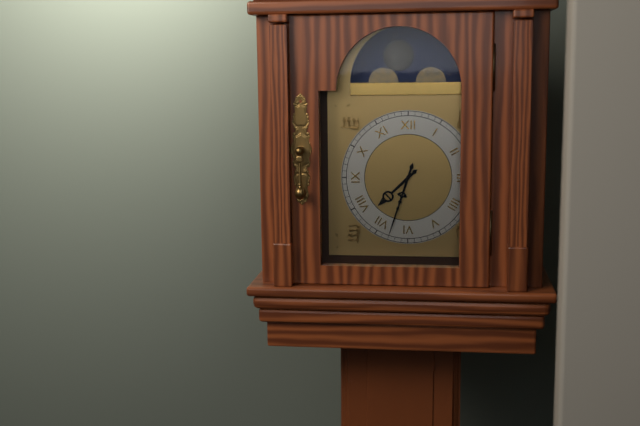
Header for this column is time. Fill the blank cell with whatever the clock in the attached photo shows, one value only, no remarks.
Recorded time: 7:33
